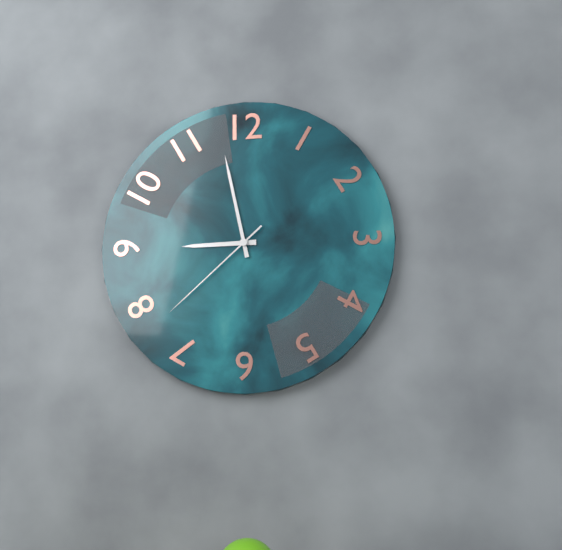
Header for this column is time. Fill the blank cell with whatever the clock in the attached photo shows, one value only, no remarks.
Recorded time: 8:58:38
